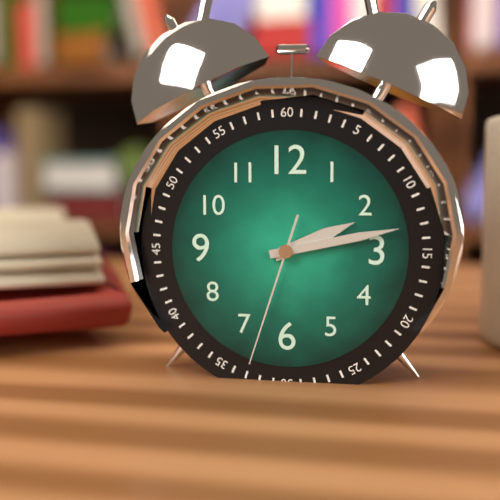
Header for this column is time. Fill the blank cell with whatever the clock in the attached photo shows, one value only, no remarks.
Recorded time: 2:13:33
